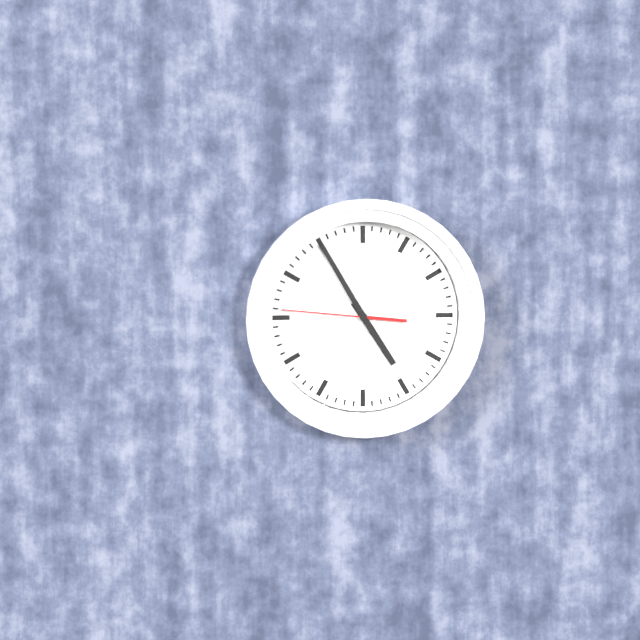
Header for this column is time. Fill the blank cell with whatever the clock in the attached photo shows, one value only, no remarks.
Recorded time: 4:55:46
